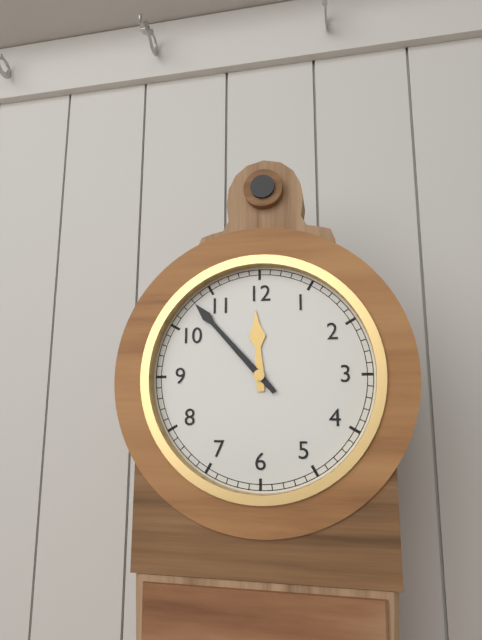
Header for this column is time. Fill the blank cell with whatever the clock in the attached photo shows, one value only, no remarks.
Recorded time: 11:53
